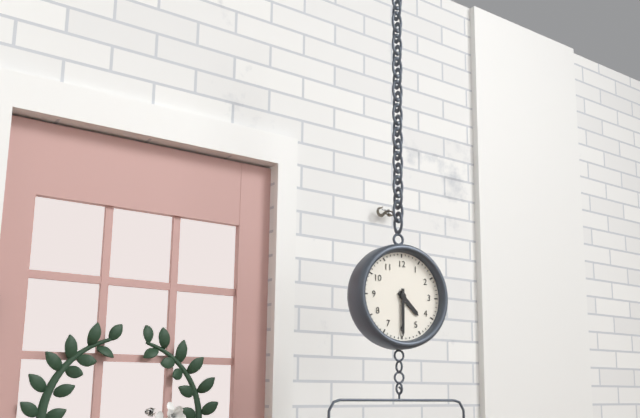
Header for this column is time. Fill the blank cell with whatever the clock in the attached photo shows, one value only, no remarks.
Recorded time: 4:30
